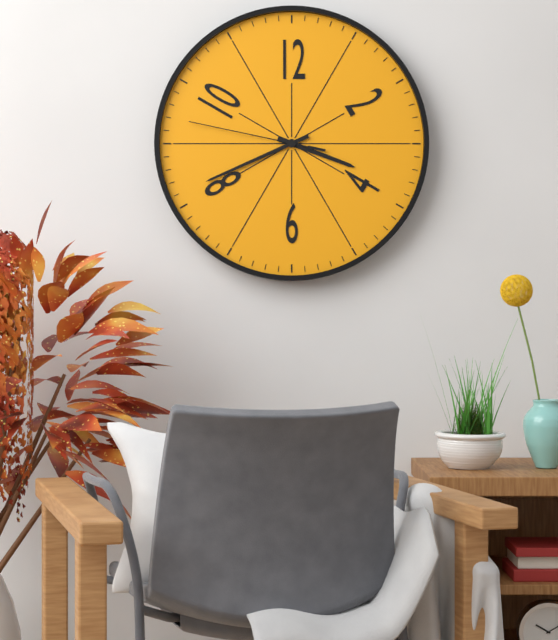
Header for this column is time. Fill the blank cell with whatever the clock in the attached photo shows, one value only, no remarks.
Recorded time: 3:41:47
